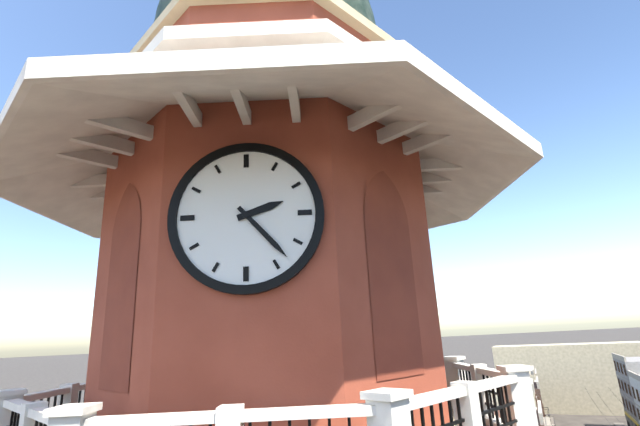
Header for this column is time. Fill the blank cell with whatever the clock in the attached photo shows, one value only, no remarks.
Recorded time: 2:23
